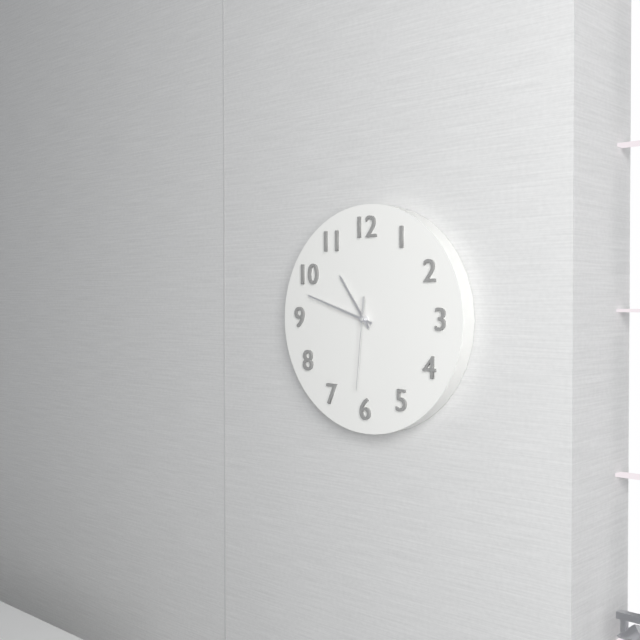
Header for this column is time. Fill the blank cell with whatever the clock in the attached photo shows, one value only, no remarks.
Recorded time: 10:48:31
